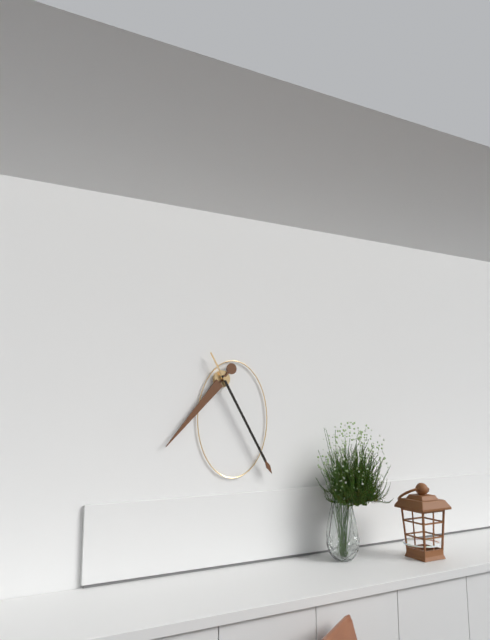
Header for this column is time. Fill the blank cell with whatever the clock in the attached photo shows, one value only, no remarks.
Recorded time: 7:25
